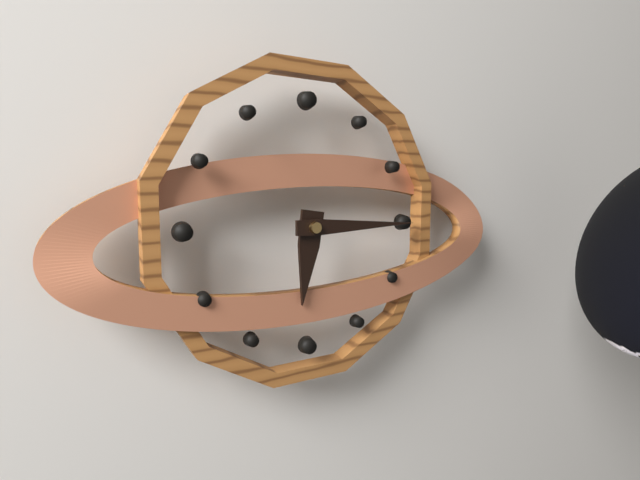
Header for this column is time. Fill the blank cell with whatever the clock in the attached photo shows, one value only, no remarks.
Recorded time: 6:15
